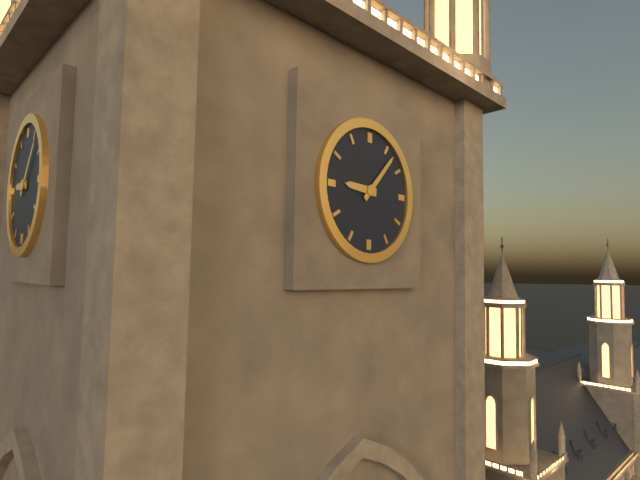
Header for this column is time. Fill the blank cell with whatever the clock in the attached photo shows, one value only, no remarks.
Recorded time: 9:07
